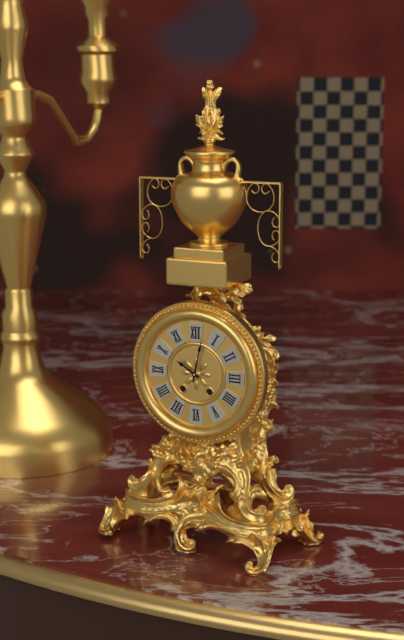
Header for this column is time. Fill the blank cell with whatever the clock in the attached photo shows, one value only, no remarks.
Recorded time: 10:02
